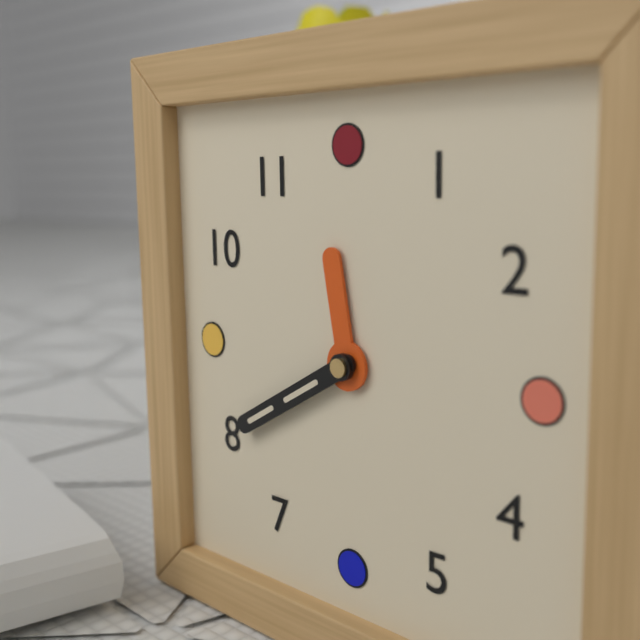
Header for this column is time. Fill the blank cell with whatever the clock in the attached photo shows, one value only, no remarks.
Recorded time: 11:40
